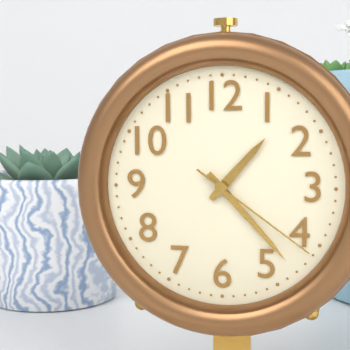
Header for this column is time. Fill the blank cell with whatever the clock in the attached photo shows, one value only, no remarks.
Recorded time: 1:23:21
